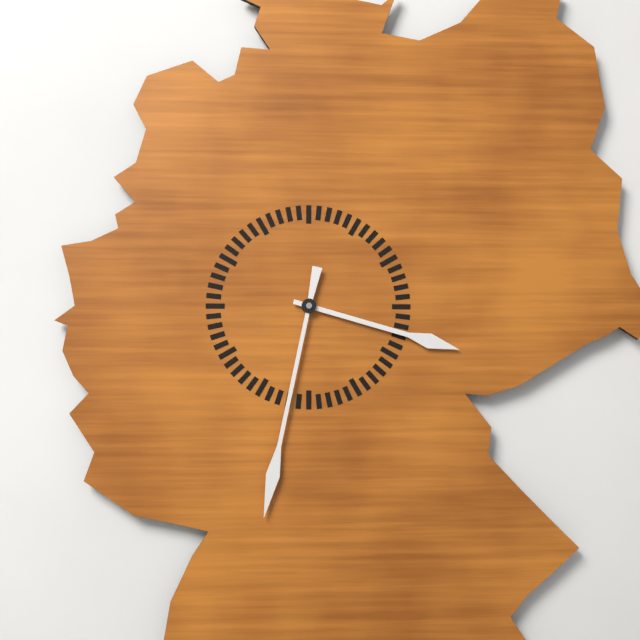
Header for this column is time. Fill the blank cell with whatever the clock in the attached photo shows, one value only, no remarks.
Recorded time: 3:32
